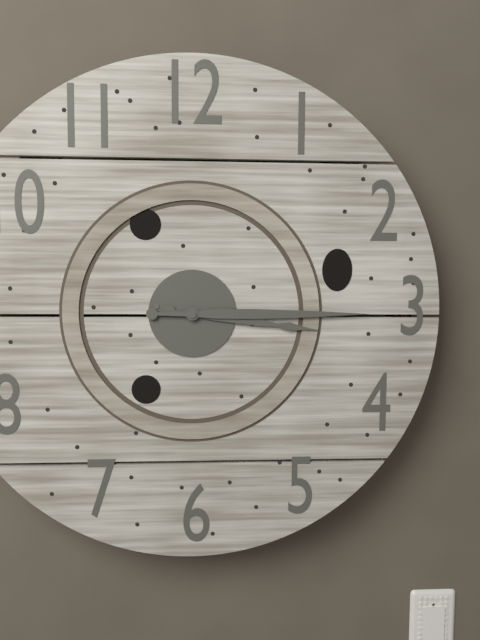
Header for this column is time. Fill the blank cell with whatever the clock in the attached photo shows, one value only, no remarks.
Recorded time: 3:15
